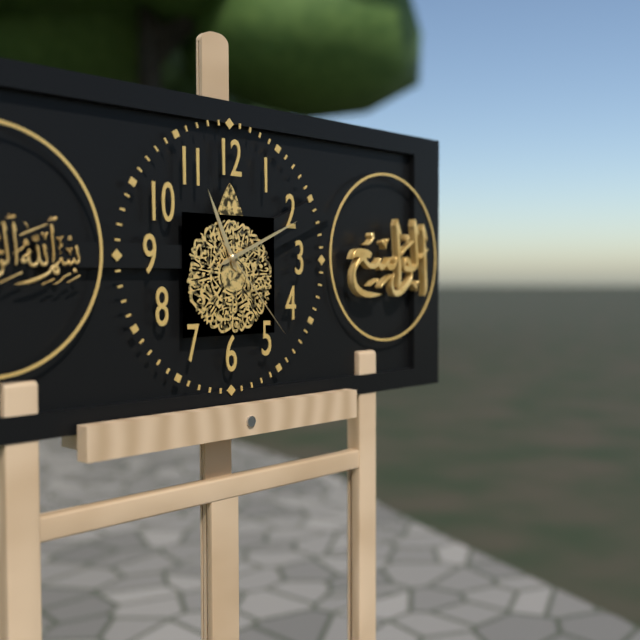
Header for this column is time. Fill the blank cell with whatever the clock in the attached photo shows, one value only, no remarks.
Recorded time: 11:11:23
